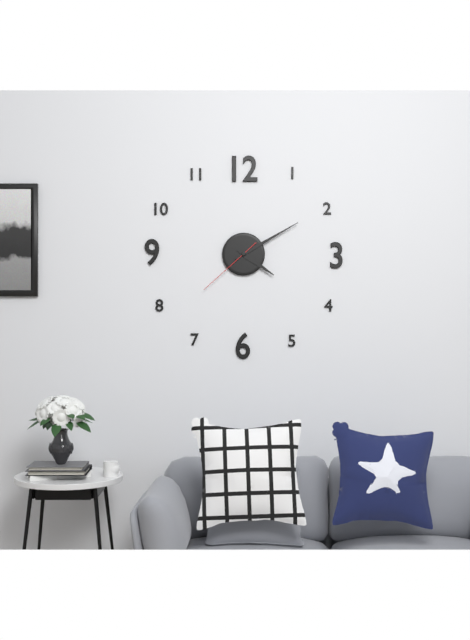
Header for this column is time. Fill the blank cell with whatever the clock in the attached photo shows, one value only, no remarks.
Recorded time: 4:10:38
